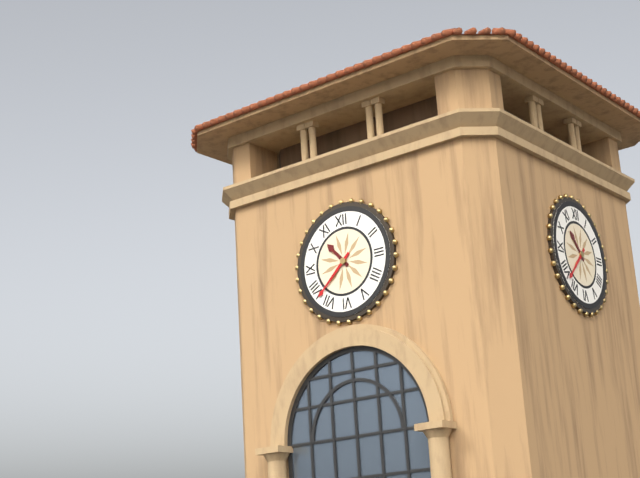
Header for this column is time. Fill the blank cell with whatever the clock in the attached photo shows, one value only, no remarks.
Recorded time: 10:38
